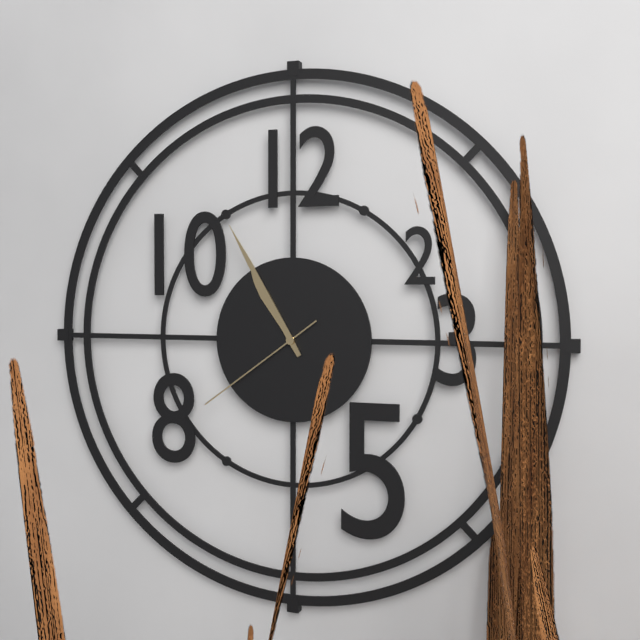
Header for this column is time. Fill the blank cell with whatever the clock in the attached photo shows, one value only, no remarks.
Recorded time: 10:55:39
